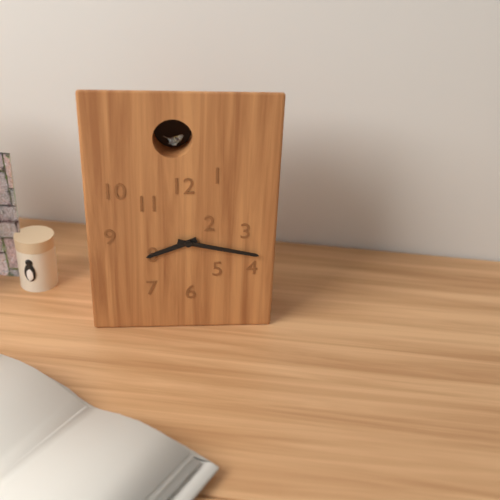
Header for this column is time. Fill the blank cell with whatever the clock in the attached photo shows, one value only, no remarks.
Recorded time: 8:17
